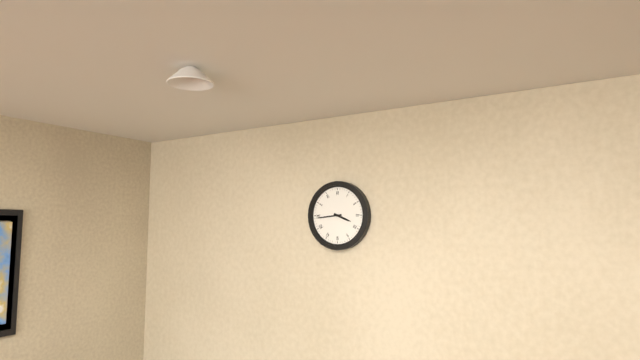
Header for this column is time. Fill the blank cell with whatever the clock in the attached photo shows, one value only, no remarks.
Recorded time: 3:44
